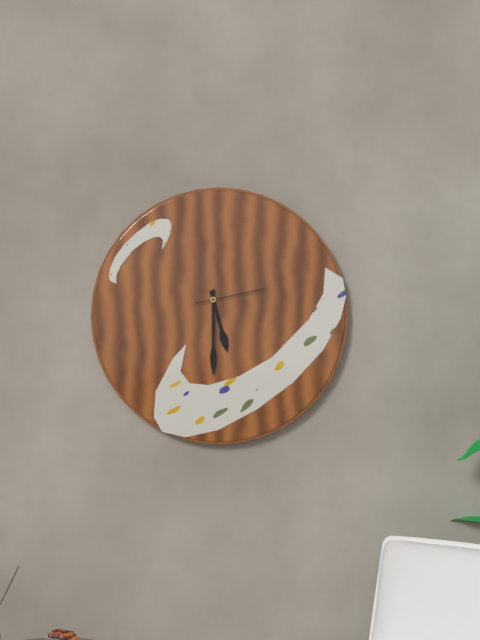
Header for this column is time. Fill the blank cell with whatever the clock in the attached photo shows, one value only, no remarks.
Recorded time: 5:30:13
